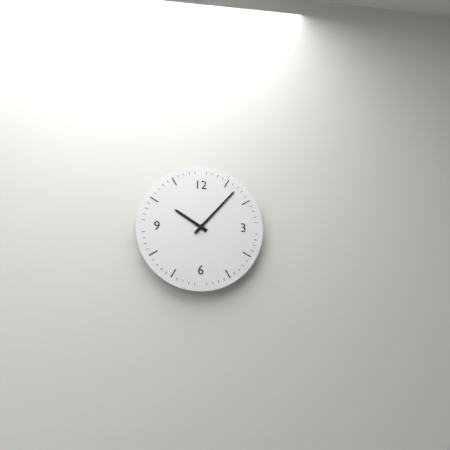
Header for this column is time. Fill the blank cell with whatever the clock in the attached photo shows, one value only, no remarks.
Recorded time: 10:07
